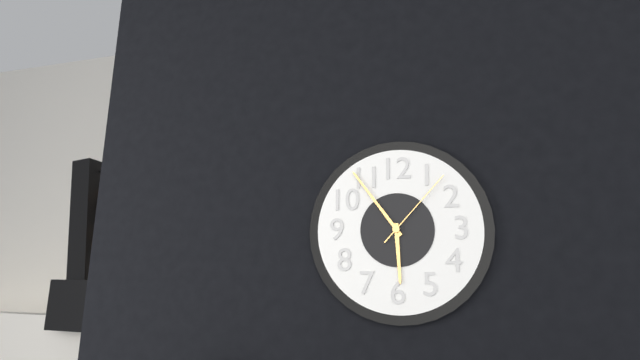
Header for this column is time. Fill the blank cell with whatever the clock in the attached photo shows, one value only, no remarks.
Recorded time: 5:54:07
